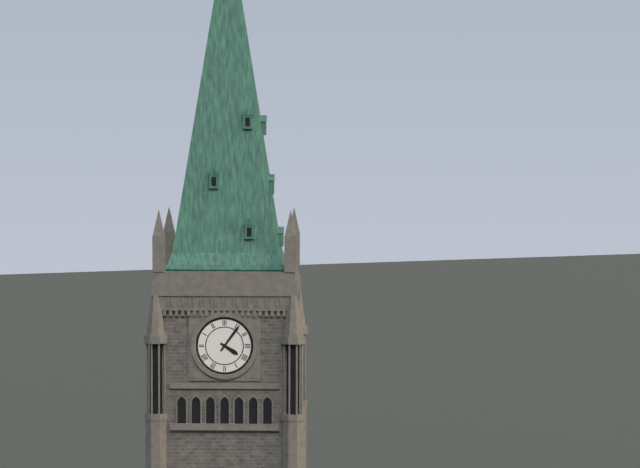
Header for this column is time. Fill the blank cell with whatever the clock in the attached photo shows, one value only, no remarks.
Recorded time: 4:06
